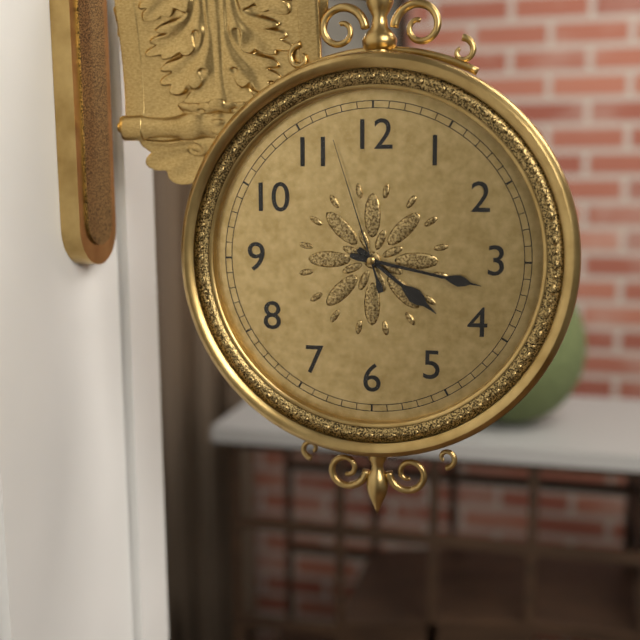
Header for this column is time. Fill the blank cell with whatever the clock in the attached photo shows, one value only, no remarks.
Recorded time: 4:17:57
